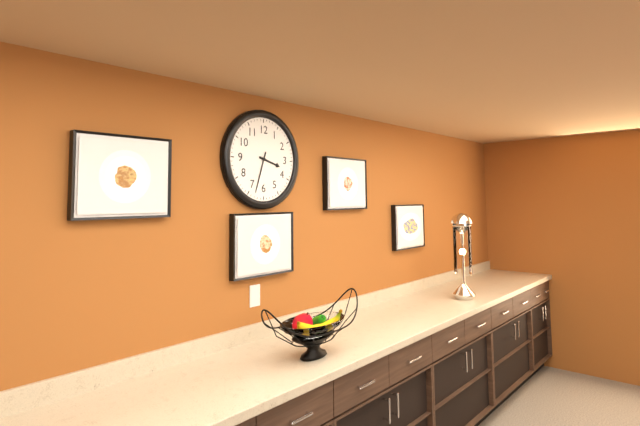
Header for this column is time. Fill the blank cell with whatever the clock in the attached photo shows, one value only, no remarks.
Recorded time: 3:33
